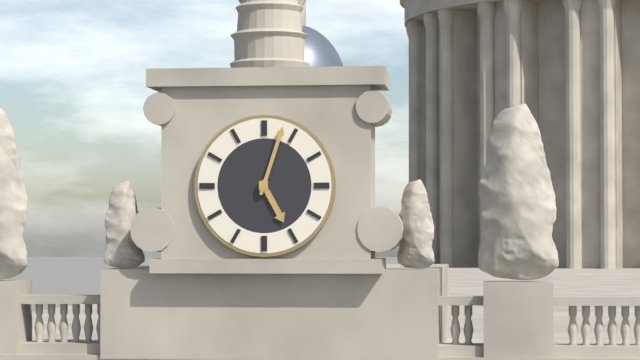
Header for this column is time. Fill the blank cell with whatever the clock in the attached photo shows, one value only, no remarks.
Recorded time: 5:03
